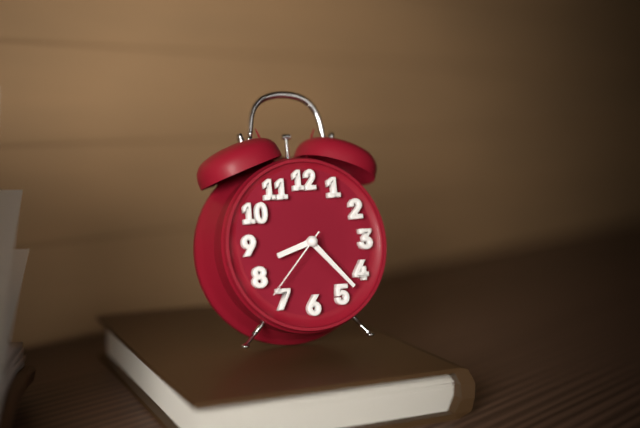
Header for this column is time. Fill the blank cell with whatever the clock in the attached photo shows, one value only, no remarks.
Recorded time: 8:23:37
